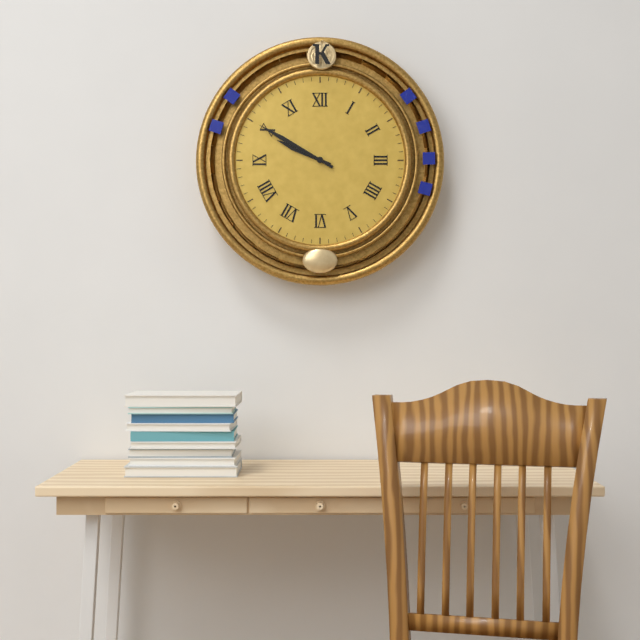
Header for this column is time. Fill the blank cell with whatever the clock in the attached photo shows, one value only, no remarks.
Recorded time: 9:50
